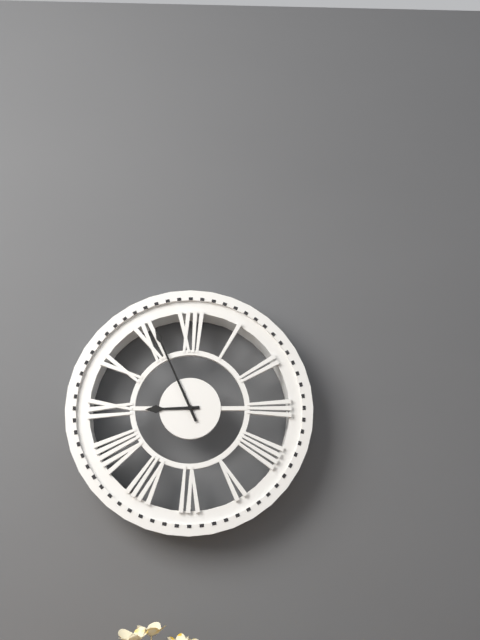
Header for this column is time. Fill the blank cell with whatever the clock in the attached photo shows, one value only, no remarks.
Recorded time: 8:56
